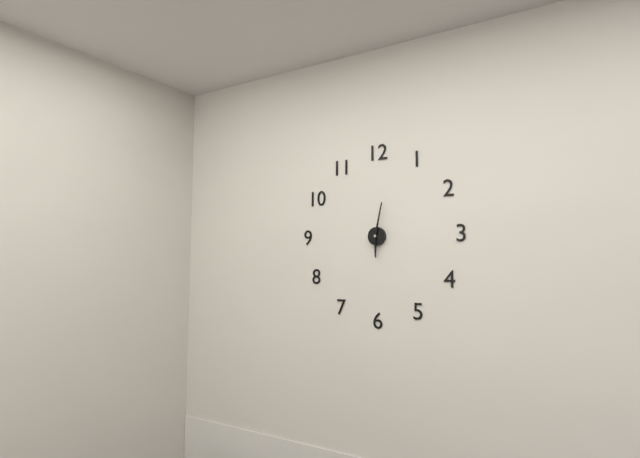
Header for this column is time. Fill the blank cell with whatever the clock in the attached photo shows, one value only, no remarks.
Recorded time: 6:02
